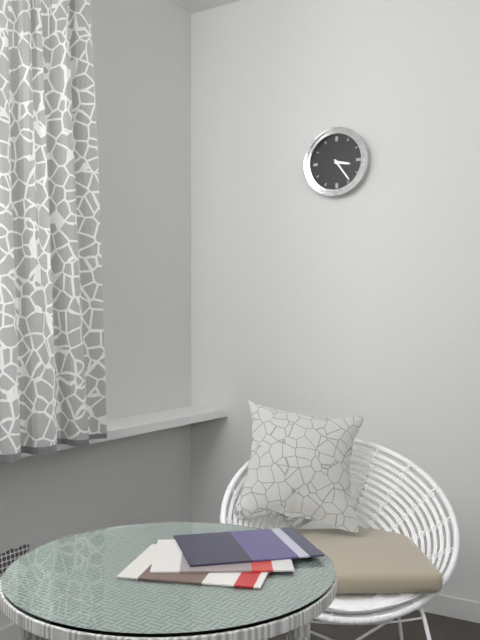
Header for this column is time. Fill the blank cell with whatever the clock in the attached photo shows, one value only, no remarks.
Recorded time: 3:24
